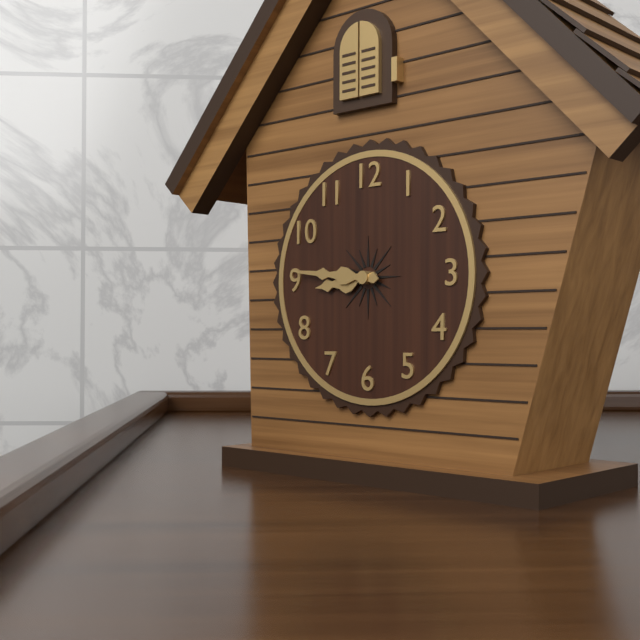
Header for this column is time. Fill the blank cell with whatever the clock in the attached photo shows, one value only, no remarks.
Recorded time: 8:46
